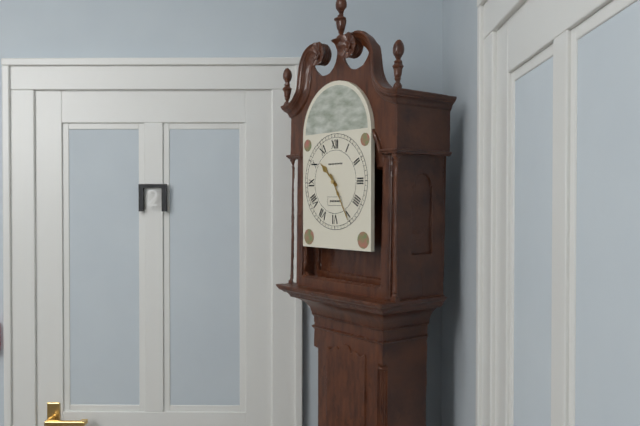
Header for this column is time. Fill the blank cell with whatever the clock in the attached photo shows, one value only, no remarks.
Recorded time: 10:25
